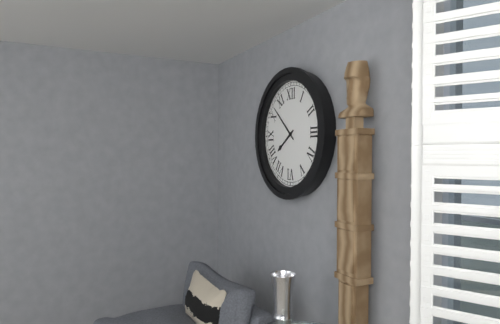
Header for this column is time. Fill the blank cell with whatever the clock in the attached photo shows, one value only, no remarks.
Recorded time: 7:52
